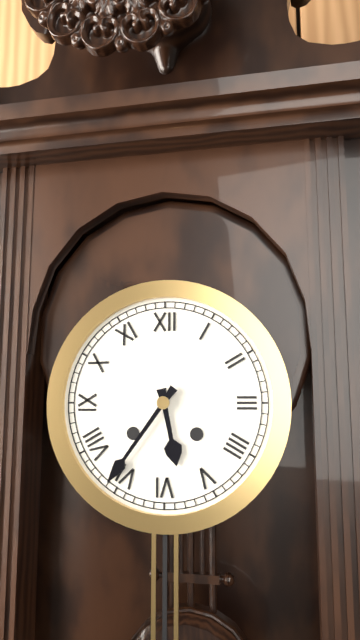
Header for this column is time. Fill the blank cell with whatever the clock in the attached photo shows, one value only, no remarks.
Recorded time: 5:36
